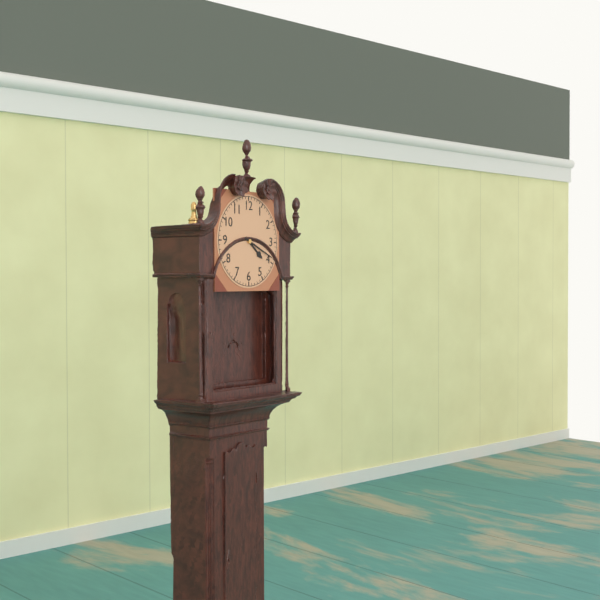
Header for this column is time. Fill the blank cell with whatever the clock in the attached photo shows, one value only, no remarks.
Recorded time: 4:19
